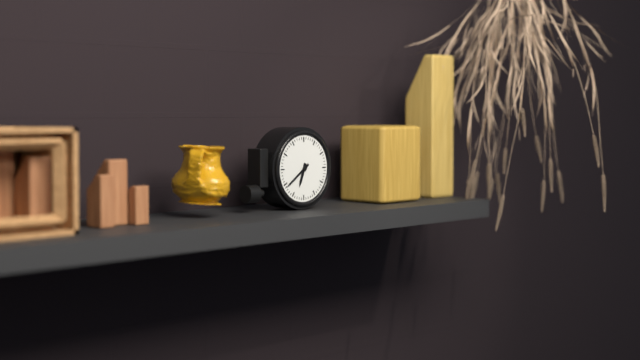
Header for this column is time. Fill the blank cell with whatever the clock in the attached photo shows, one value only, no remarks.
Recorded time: 6:39
